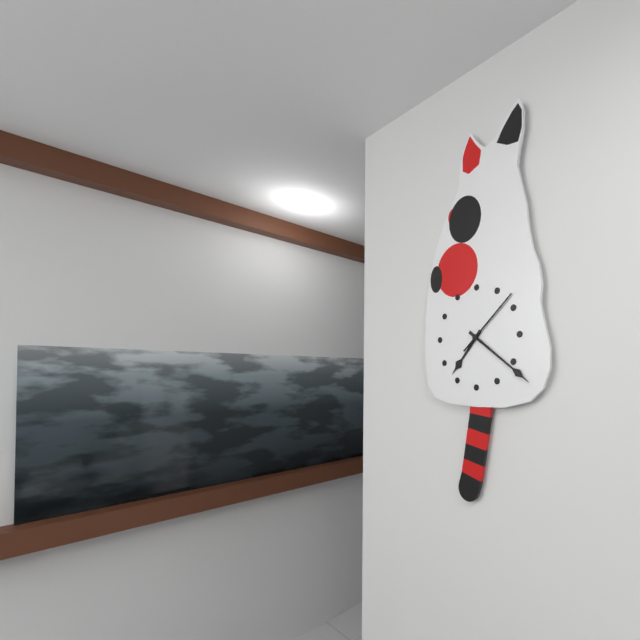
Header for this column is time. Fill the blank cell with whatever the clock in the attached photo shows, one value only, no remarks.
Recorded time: 7:21:08
